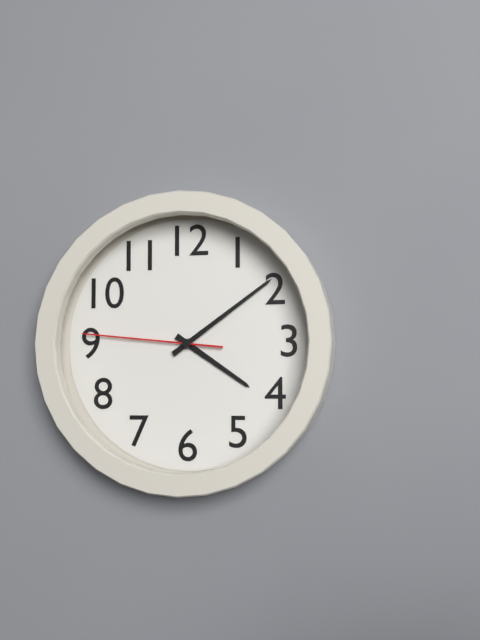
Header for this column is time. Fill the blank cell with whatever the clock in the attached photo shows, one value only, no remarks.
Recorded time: 4:09:46
